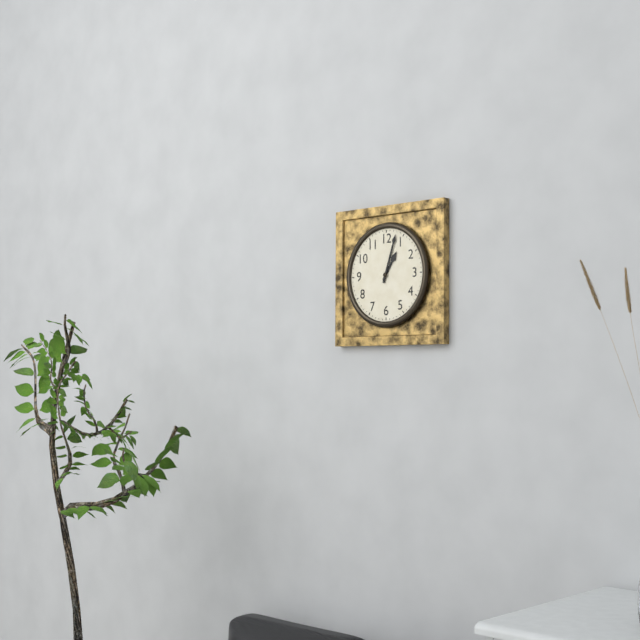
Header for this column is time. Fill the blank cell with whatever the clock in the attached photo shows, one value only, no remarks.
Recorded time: 1:03
